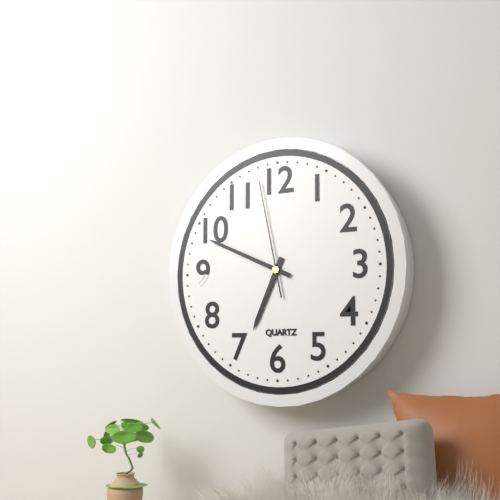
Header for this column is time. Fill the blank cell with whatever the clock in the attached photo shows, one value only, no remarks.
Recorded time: 6:49:58
